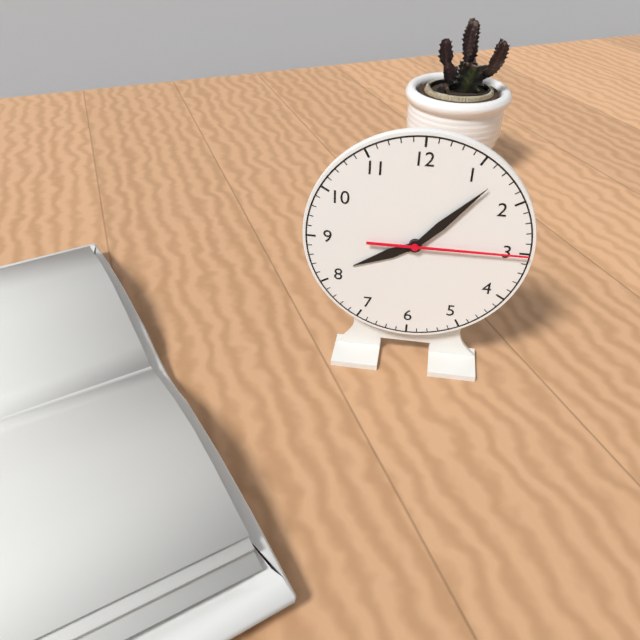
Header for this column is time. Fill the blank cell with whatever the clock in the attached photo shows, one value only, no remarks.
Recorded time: 8:07:15
